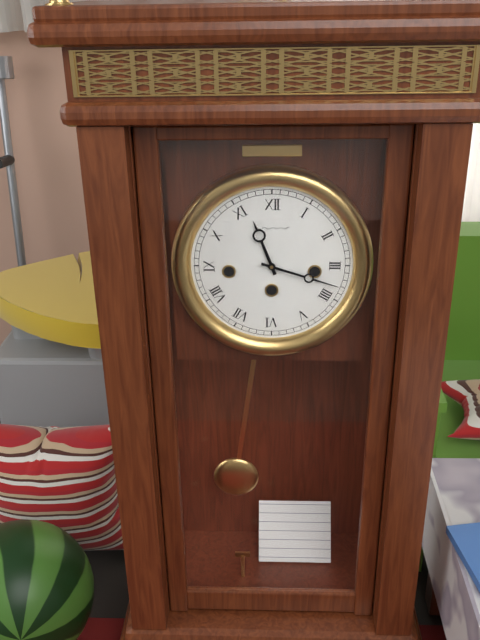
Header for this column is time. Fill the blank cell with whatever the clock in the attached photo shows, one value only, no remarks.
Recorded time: 11:18
